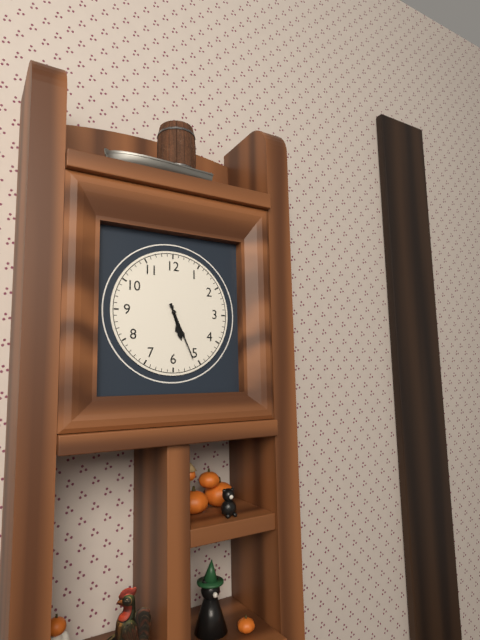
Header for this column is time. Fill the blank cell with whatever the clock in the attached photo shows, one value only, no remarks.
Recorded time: 5:26
